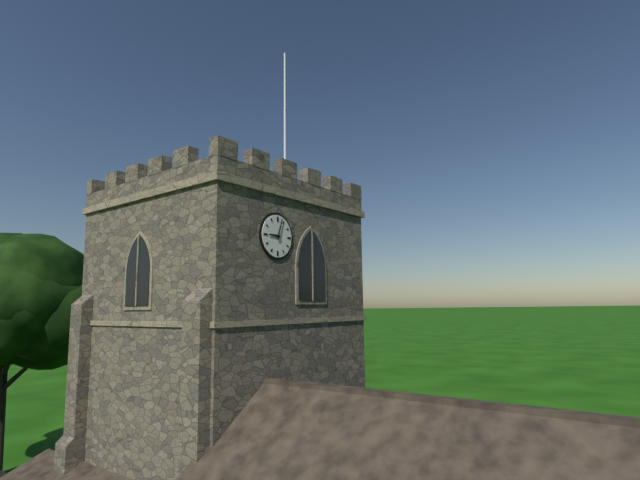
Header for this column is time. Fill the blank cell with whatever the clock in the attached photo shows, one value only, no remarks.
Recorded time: 9:03
